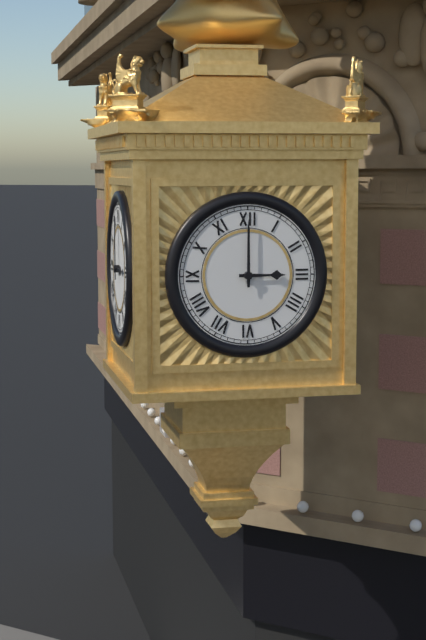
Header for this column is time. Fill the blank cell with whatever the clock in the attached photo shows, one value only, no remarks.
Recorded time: 3:00
